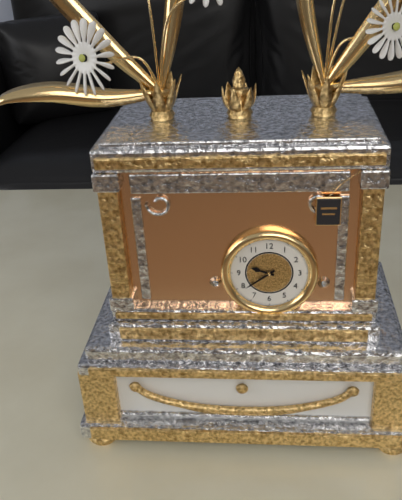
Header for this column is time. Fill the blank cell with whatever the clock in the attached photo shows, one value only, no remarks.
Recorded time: 9:39
